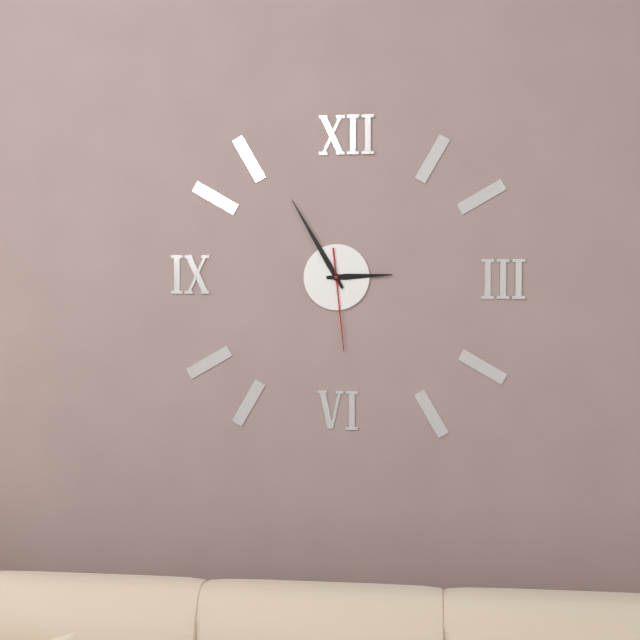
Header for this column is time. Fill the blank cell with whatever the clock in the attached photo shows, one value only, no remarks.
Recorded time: 2:55:29
